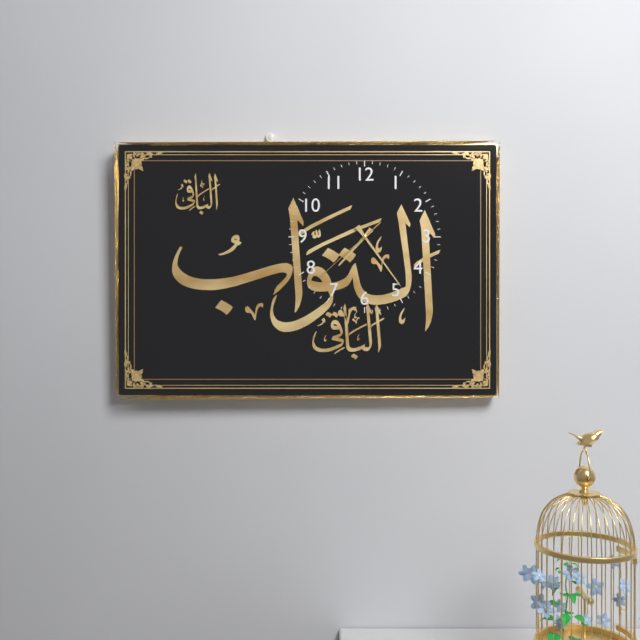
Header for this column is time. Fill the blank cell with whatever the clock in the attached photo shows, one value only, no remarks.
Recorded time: 7:24:38
